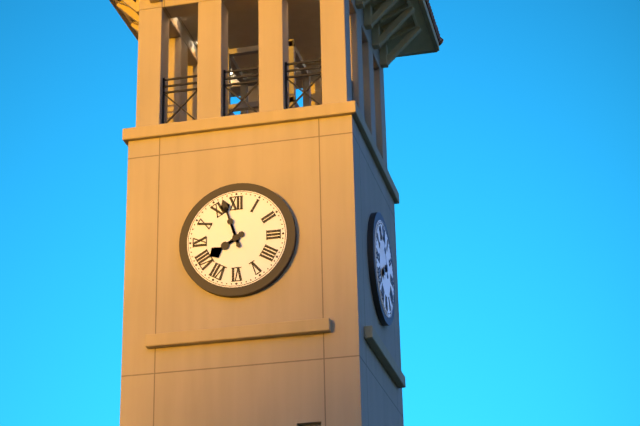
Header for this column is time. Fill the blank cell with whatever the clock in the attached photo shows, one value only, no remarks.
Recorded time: 7:57
